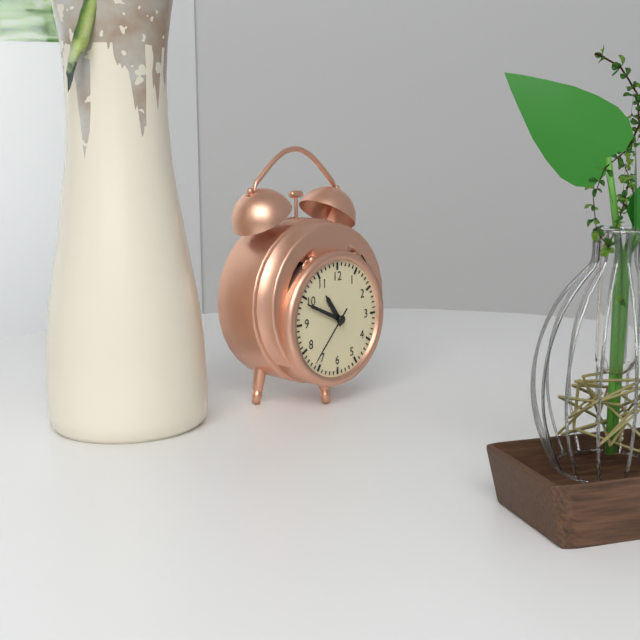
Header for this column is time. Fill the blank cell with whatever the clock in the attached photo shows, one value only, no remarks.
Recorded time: 10:49:37
